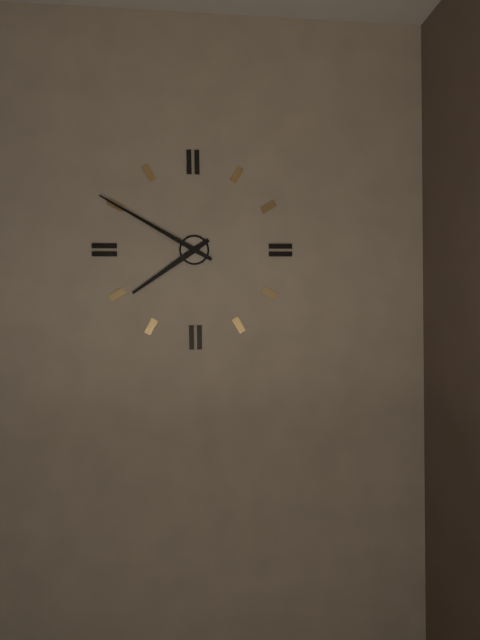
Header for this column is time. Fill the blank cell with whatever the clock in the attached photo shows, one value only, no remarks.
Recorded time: 7:50
